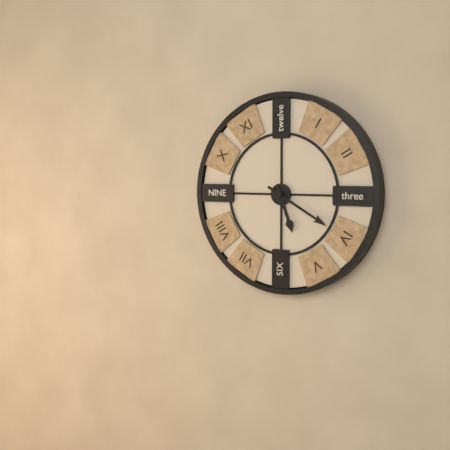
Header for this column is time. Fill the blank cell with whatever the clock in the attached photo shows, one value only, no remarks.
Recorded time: 5:20
